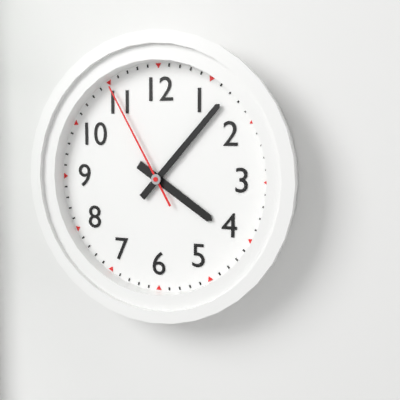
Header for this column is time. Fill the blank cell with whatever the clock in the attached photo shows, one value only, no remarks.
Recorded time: 4:07:55
